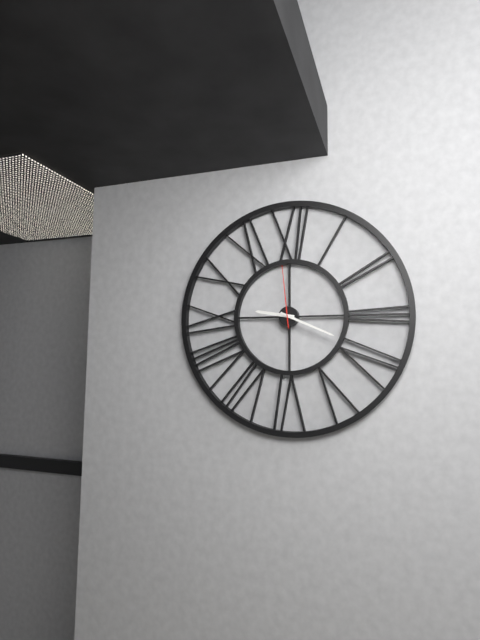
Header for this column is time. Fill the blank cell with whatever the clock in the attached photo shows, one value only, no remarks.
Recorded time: 9:19:59
